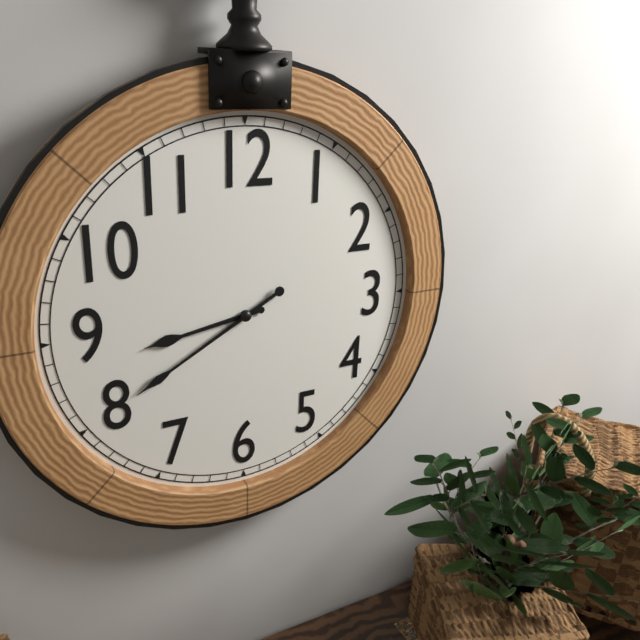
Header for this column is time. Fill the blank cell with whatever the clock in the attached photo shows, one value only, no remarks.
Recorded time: 8:40
